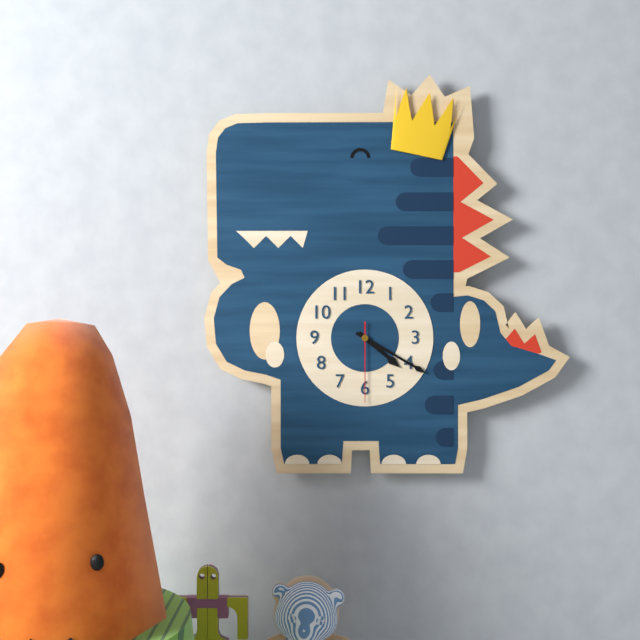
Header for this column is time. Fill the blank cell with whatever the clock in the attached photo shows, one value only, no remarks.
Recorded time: 4:20:30
